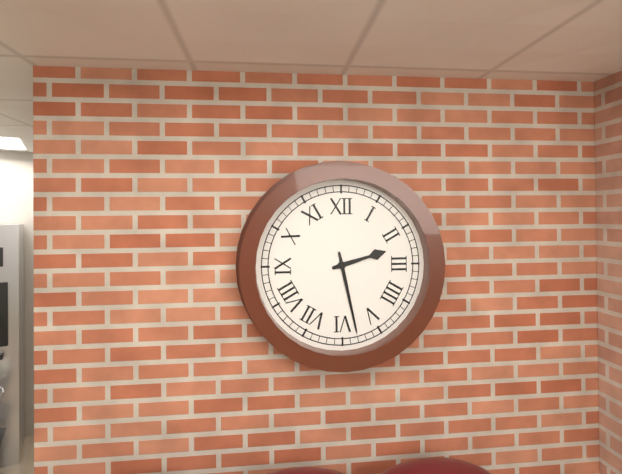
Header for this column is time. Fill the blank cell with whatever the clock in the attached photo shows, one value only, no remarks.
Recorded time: 2:28
